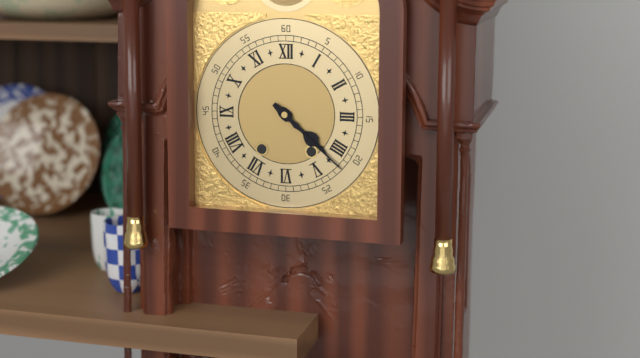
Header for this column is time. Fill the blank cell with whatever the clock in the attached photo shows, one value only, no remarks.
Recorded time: 4:22
